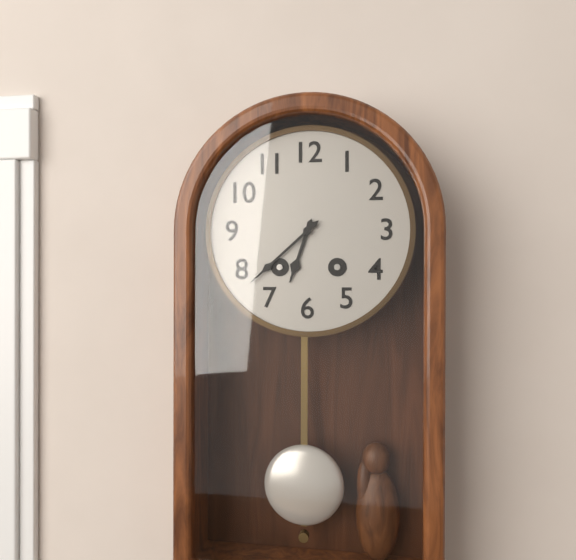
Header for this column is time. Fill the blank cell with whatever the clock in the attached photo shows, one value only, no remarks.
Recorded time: 6:38
